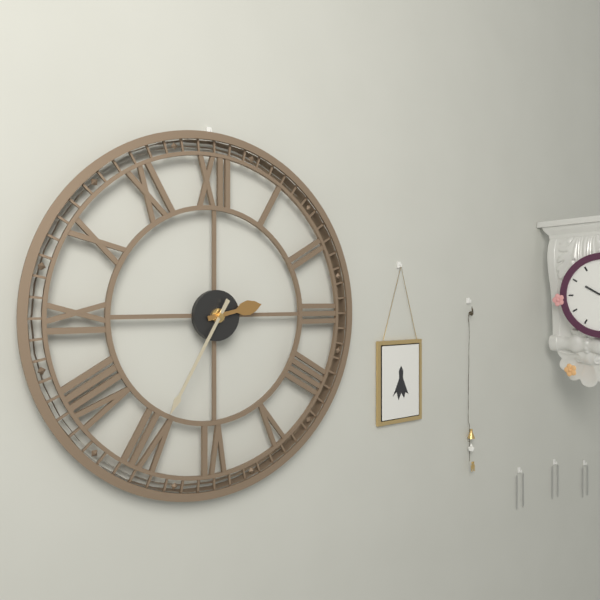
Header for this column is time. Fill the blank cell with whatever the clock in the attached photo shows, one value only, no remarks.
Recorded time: 2:35
